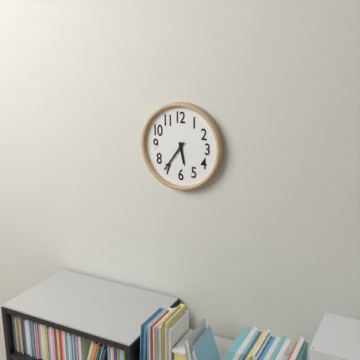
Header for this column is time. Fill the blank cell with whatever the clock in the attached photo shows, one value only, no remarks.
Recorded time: 5:36
